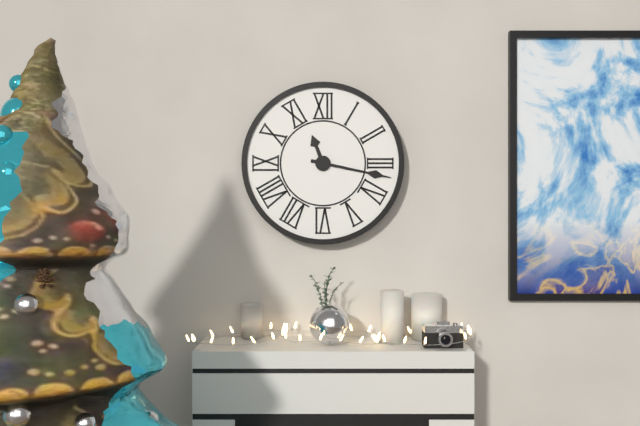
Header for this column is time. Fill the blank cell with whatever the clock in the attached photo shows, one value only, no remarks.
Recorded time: 11:17
